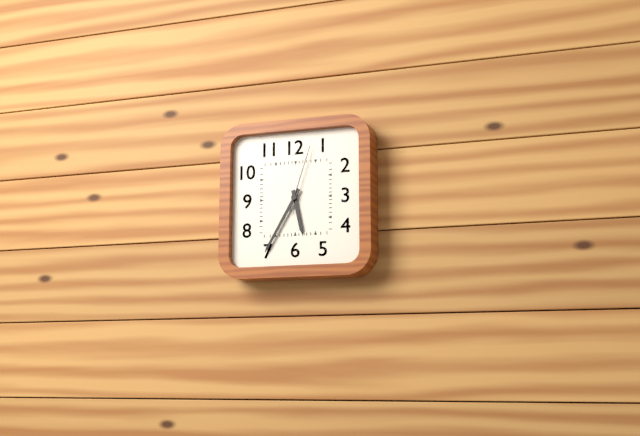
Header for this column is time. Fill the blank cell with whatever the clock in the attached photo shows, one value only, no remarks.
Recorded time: 5:35:03
